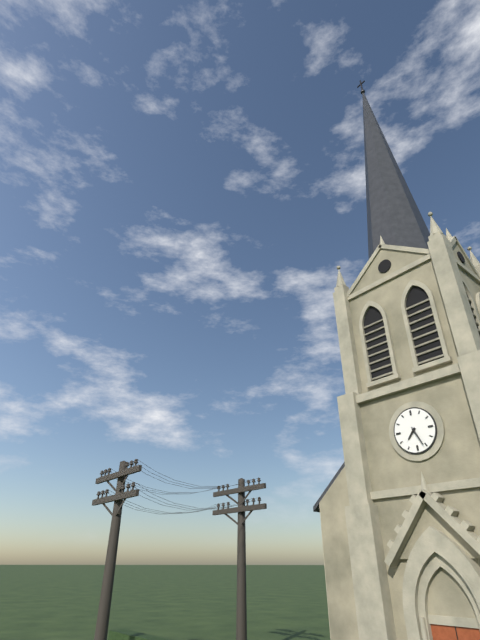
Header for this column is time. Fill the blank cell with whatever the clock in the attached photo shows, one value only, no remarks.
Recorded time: 7:26
